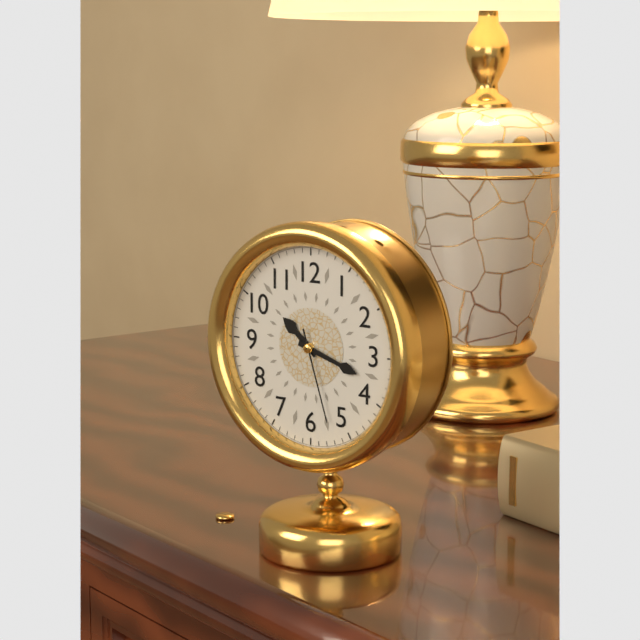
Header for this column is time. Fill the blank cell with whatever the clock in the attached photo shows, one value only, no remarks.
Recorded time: 10:18:27
